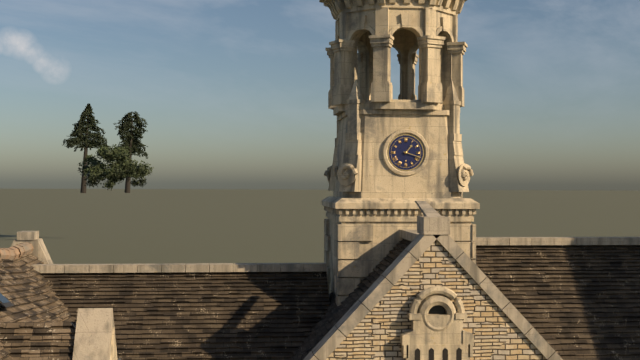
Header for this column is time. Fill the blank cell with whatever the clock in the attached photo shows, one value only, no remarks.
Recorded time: 1:18
